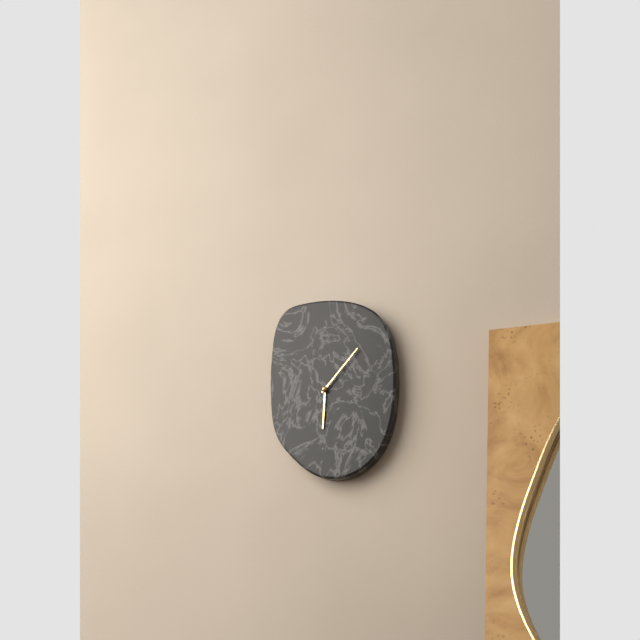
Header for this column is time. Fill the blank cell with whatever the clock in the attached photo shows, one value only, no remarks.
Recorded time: 6:07
